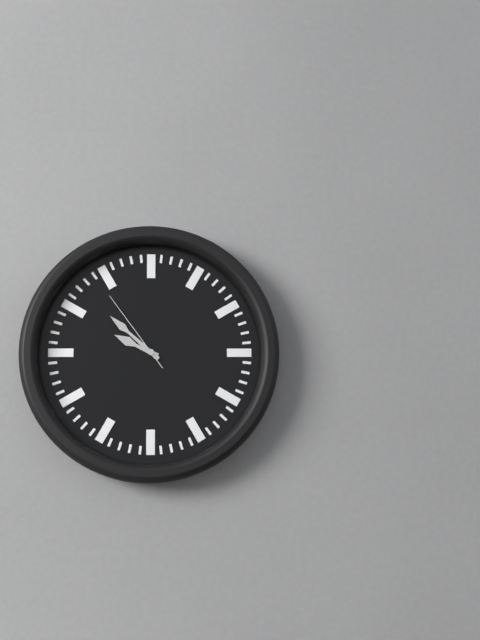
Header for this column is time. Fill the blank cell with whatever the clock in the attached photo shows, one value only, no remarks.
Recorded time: 9:52:54
